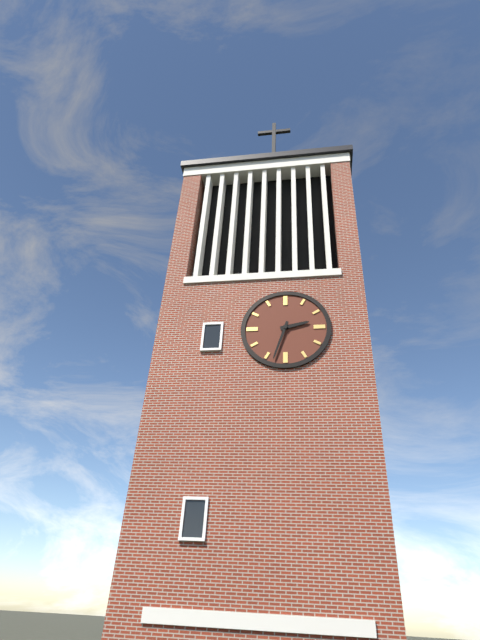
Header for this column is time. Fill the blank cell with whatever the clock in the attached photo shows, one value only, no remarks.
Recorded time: 2:33
